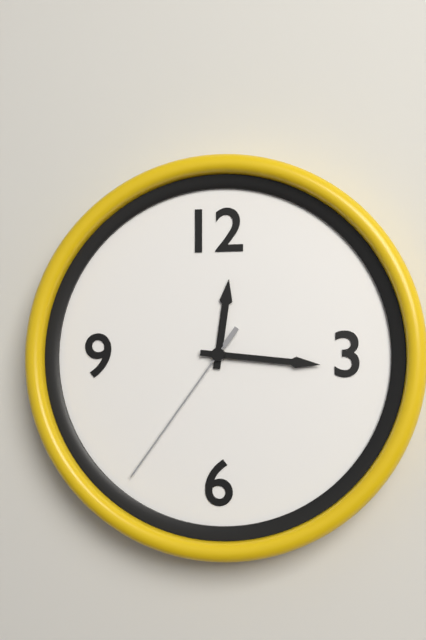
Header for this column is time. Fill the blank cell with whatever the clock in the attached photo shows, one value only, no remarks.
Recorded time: 12:16:36
